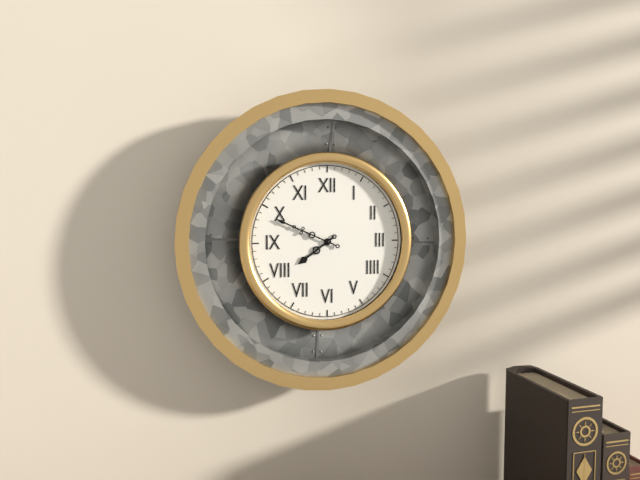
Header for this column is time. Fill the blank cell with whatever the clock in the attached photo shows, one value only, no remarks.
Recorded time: 7:49
